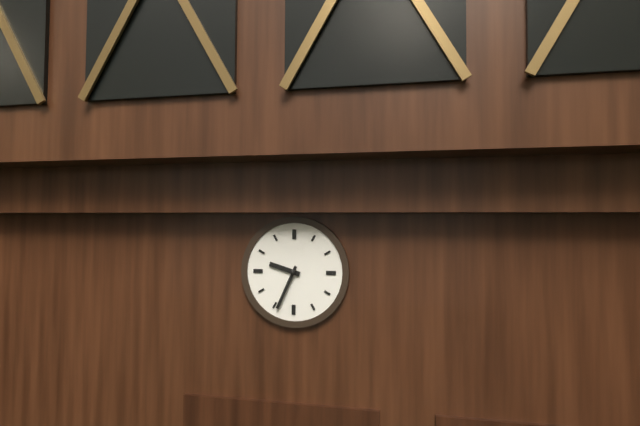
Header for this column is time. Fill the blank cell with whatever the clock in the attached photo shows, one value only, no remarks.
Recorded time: 9:34
